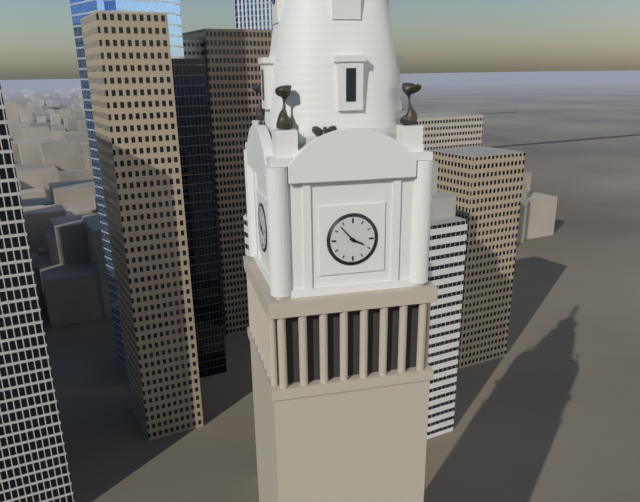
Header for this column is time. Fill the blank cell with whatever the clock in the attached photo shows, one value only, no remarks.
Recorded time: 3:53
